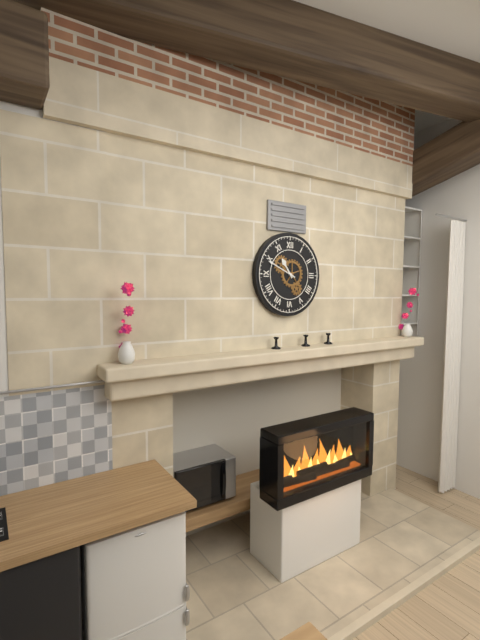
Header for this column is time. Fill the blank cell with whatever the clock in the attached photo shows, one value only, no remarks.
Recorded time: 10:49
